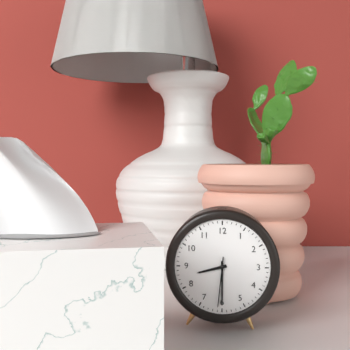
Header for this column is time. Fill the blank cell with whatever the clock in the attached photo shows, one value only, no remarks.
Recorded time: 8:30:31
